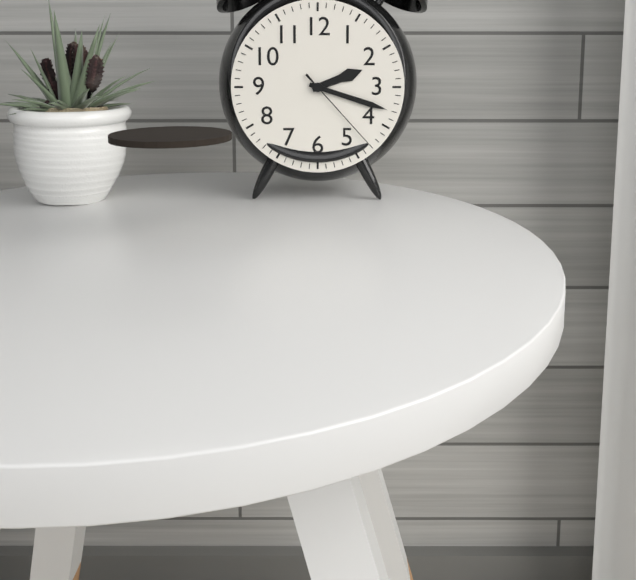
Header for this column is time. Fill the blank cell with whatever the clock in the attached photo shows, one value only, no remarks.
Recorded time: 2:18:23
